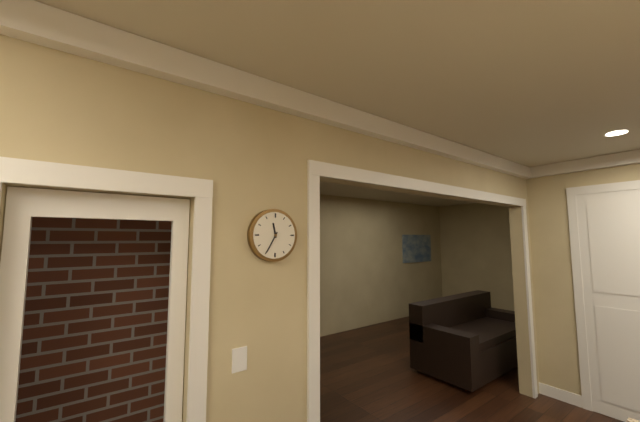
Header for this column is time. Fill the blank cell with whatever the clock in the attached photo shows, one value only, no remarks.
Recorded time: 11:35
